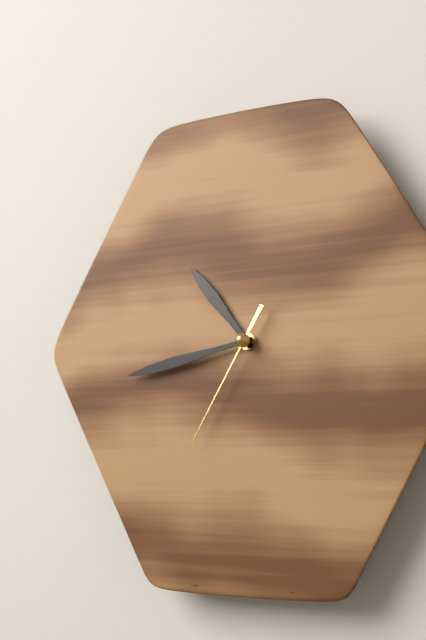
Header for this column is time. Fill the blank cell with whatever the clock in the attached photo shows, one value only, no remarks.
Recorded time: 10:43:35
